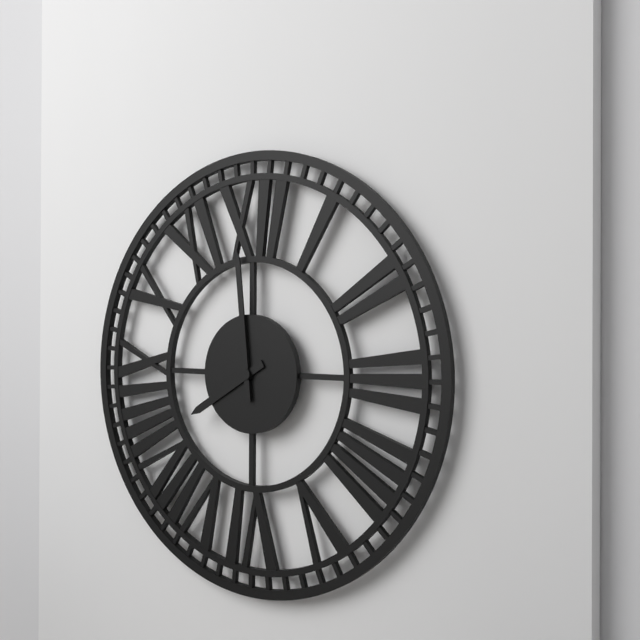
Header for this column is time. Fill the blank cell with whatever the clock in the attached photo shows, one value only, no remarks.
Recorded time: 7:59
